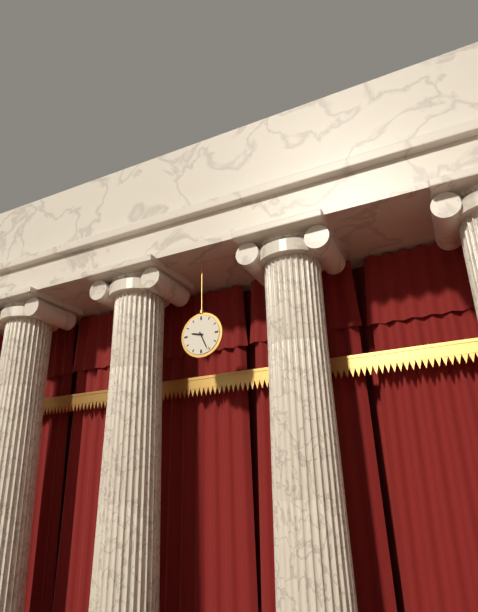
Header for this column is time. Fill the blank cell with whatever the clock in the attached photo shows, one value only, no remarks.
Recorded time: 9:26
